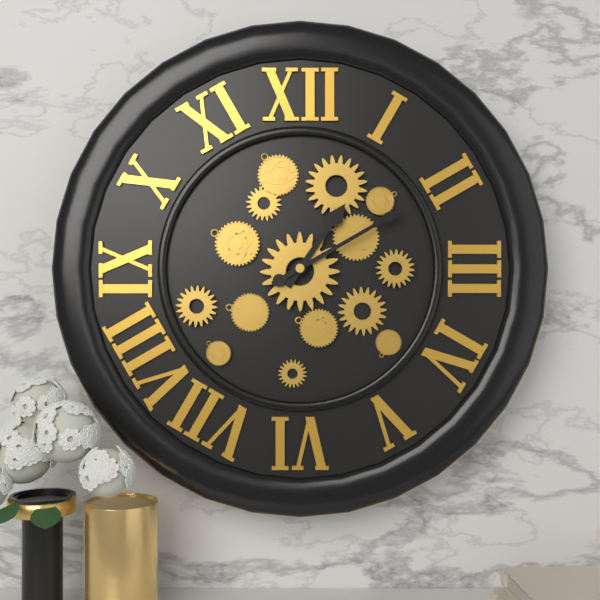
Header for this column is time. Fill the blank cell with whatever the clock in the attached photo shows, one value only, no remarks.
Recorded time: 1:10
